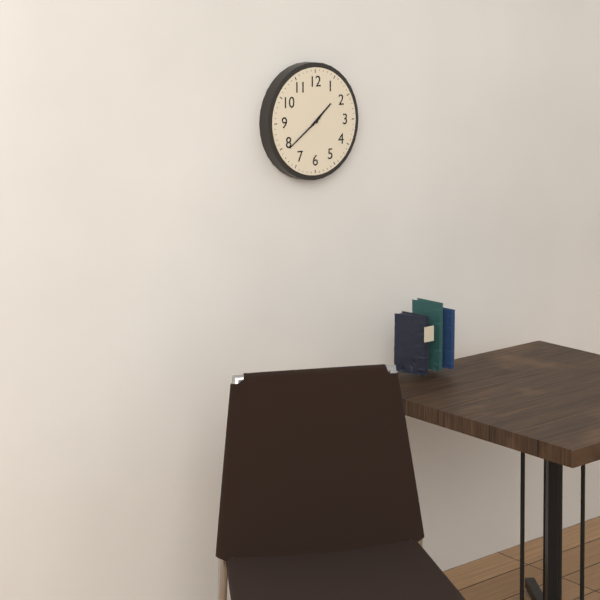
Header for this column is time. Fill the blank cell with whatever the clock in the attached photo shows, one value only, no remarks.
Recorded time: 1:39
